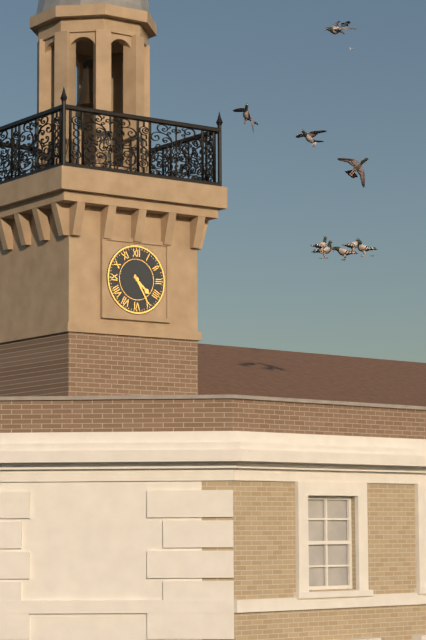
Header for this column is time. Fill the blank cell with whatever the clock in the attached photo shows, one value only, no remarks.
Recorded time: 4:25
